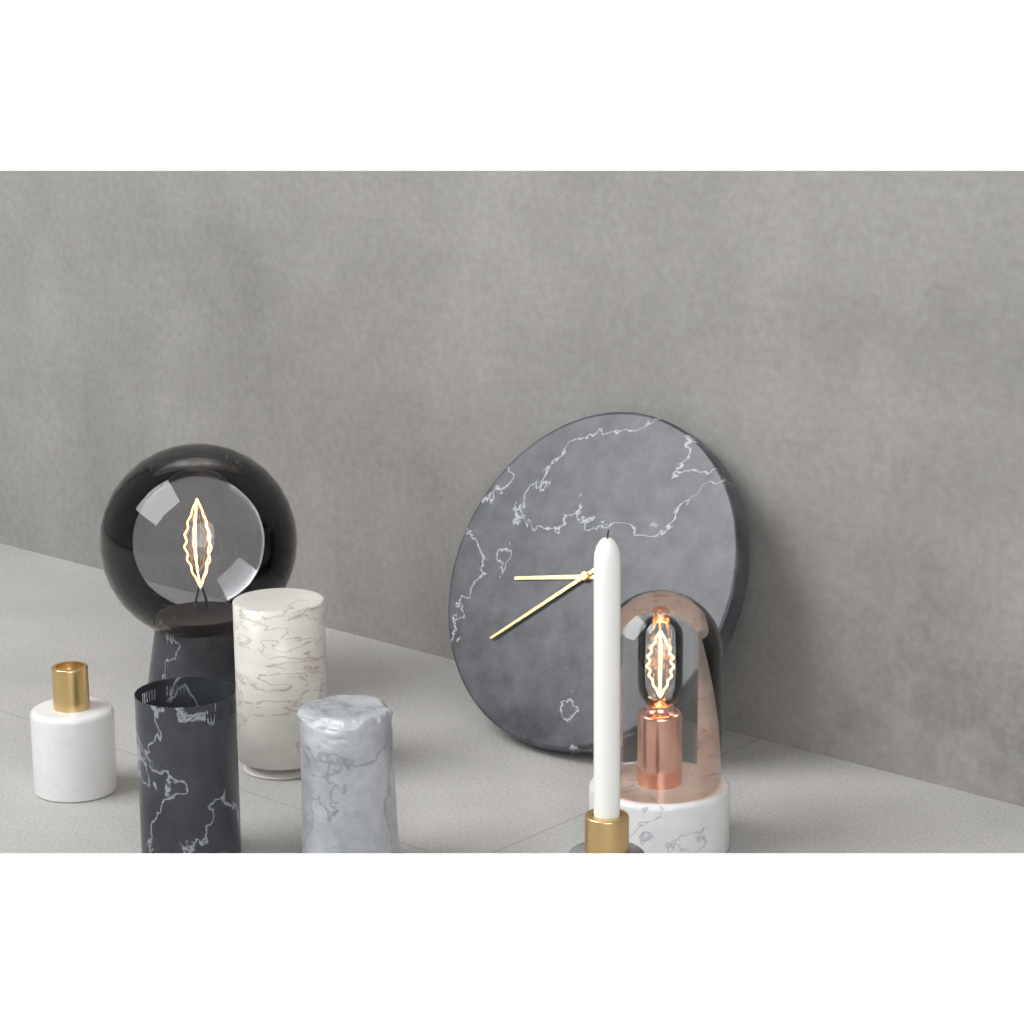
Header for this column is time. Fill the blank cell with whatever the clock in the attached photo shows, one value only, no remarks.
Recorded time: 8:38
